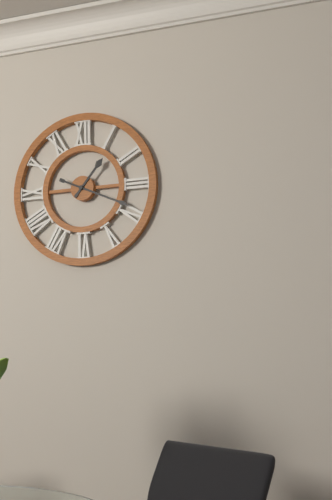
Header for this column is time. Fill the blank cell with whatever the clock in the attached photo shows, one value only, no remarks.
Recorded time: 1:19
